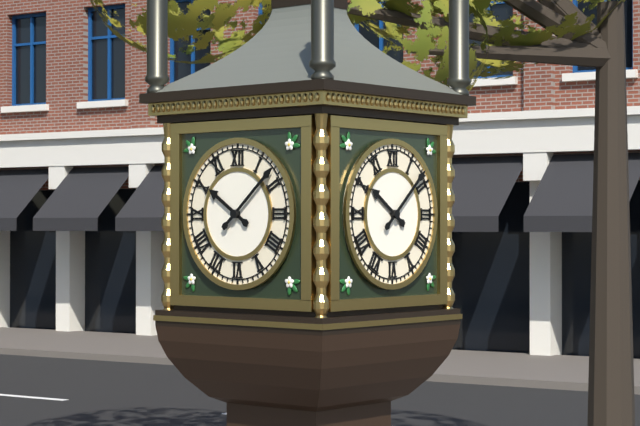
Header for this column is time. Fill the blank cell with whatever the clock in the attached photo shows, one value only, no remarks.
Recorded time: 10:08
